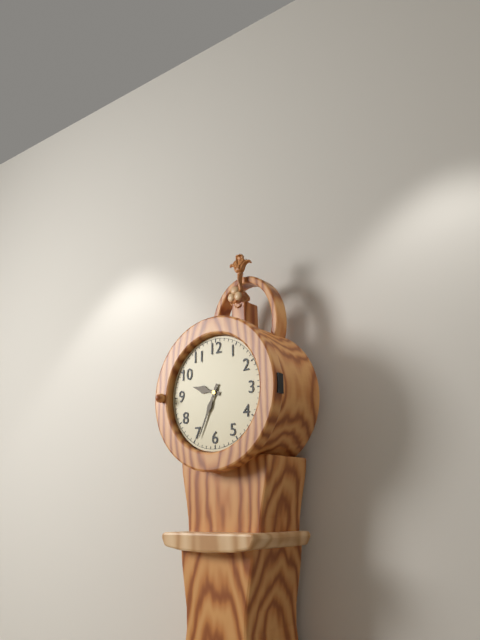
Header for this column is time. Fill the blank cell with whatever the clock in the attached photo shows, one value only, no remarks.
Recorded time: 9:34
